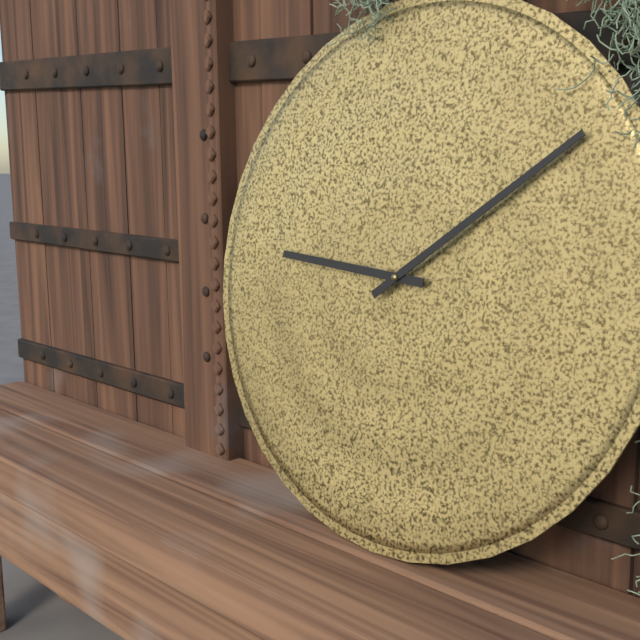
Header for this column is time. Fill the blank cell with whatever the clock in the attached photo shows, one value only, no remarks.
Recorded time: 9:09
